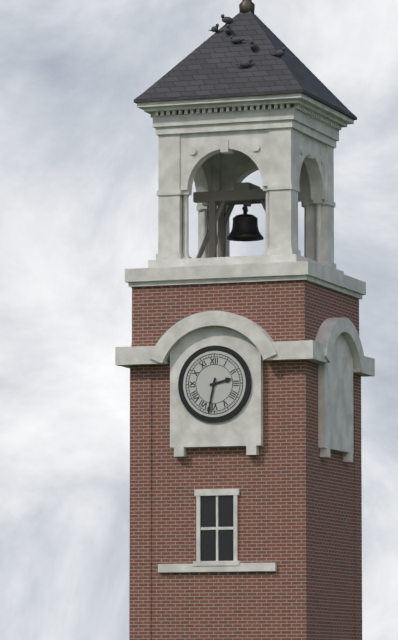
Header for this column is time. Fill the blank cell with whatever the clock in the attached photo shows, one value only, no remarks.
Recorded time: 2:32
